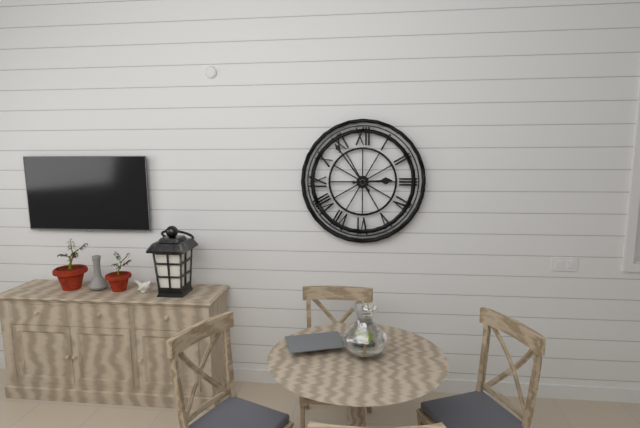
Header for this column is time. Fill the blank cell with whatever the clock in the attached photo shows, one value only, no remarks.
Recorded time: 2:54
